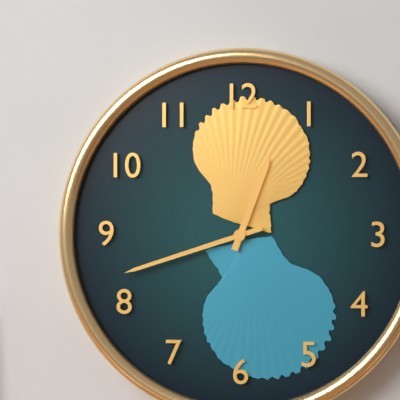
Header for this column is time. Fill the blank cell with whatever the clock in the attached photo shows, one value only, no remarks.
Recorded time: 12:42
